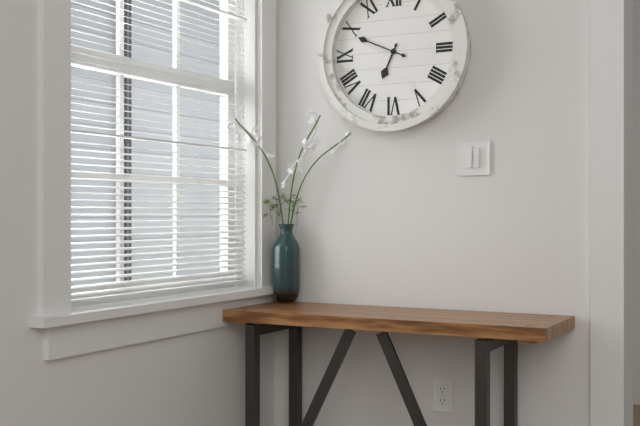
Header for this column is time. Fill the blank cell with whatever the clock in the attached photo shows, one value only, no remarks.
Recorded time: 6:49
